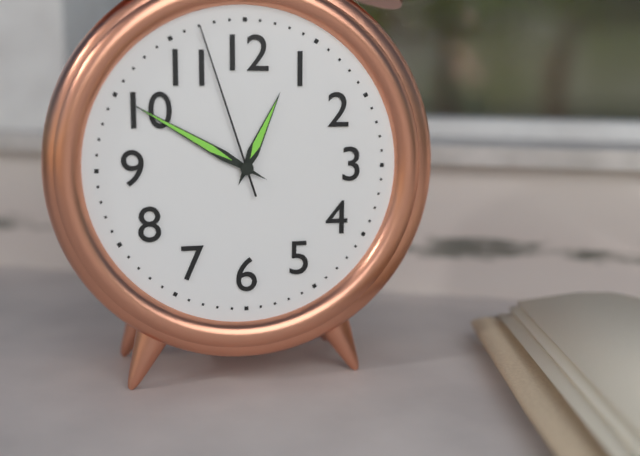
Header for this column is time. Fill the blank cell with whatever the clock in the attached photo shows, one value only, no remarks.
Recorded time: 12:50:57
